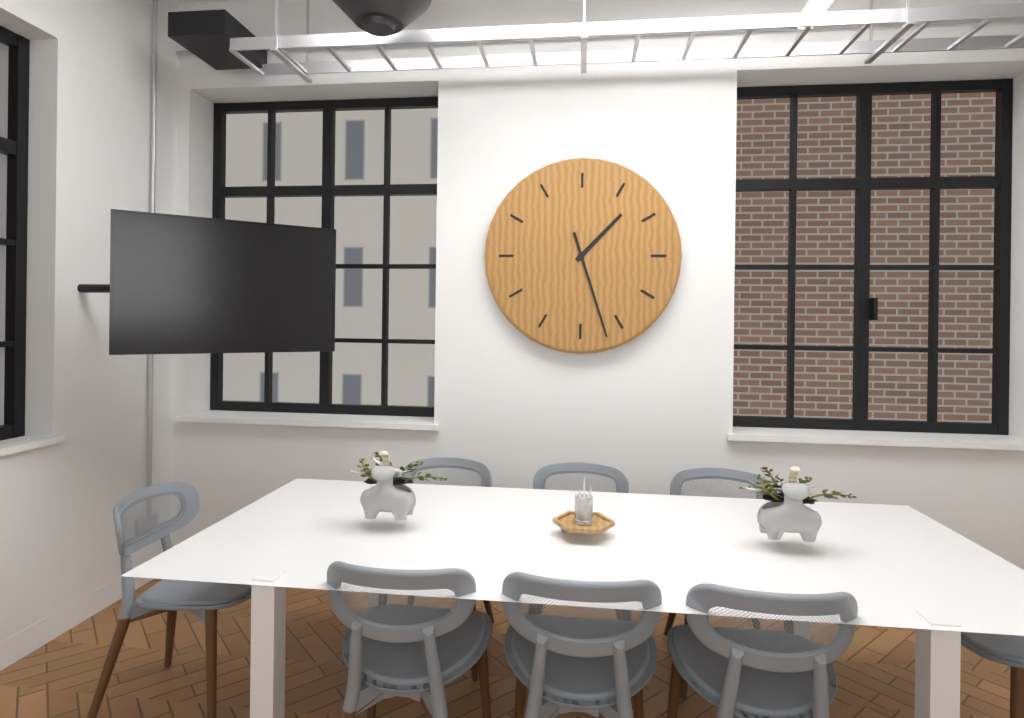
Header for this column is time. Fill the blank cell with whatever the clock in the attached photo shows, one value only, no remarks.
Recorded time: 1:27
